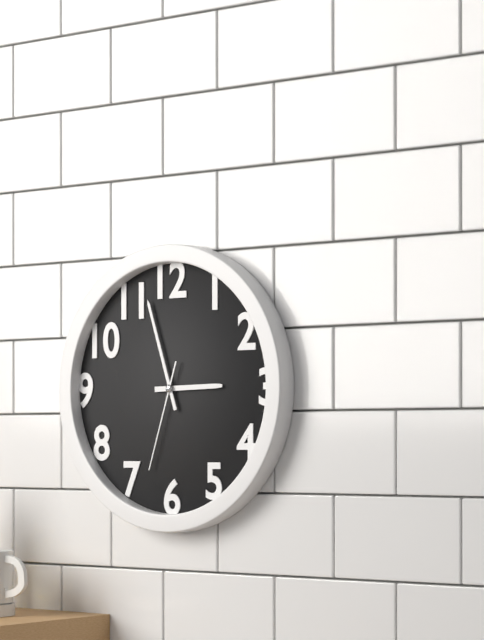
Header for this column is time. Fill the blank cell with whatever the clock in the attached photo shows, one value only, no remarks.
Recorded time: 2:57:33
